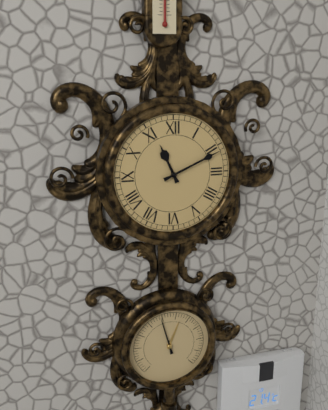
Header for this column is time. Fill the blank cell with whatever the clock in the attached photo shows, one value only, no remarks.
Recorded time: 11:11
